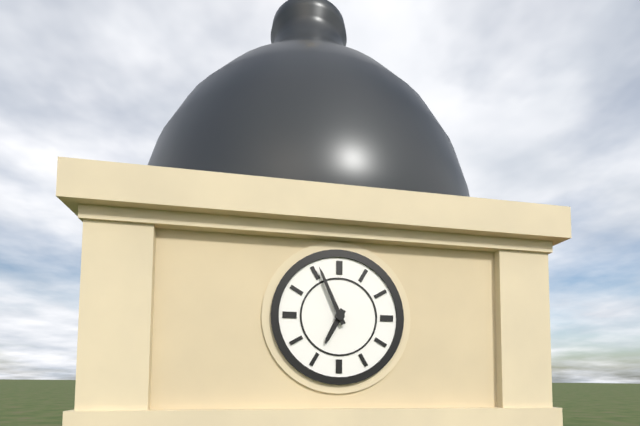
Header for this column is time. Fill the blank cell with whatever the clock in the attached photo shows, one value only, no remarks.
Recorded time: 6:56
